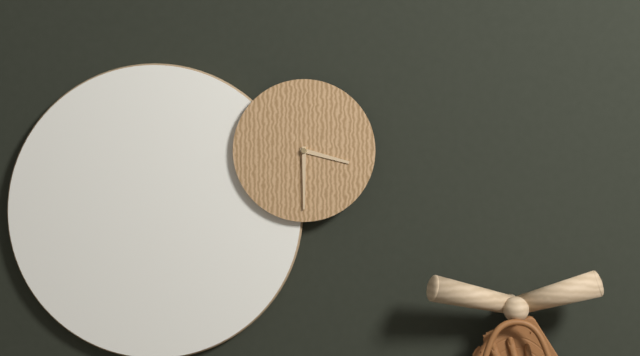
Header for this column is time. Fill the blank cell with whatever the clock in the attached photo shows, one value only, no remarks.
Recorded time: 3:30
